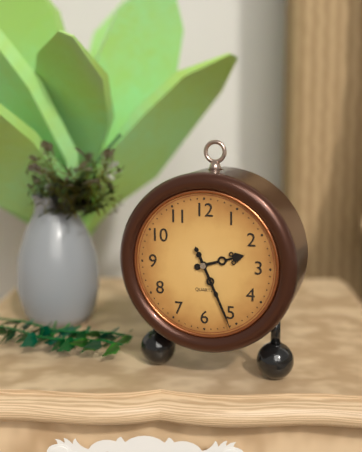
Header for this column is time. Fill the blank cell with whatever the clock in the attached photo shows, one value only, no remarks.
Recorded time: 2:26:26
